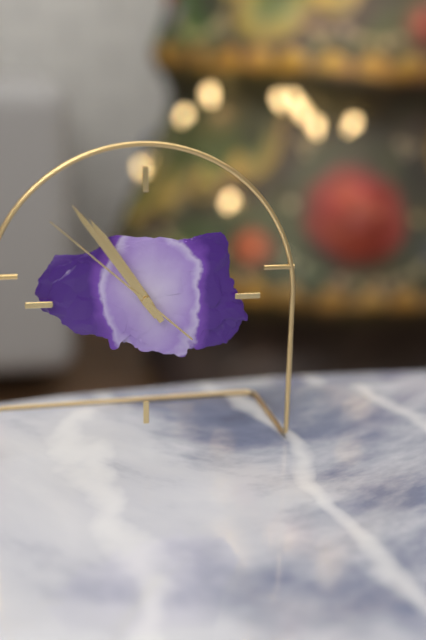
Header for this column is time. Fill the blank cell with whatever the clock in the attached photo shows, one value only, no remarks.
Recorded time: 10:54:52
